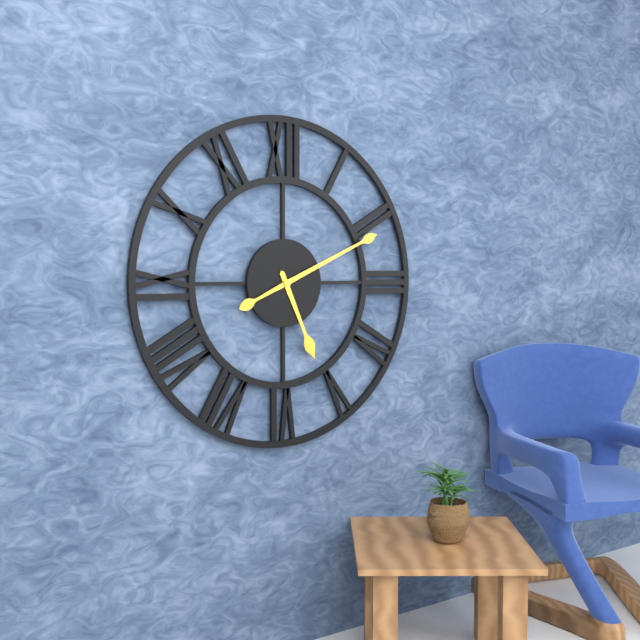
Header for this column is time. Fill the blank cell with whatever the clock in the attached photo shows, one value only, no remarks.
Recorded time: 5:11
